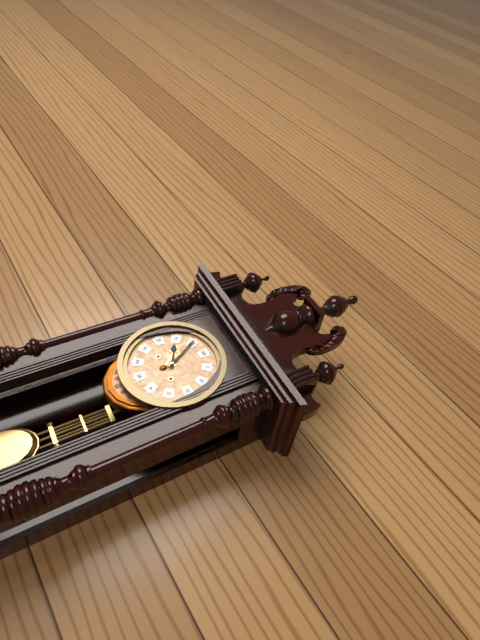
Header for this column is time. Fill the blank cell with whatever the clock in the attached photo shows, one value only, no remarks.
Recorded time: 9:55
